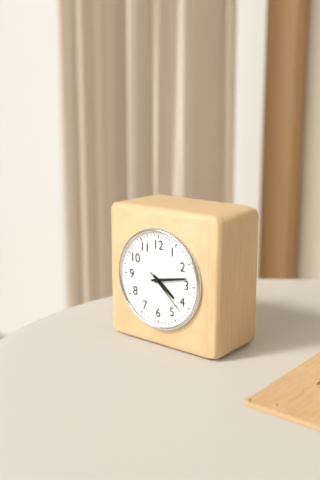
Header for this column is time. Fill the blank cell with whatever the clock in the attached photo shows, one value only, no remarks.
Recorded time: 4:13
